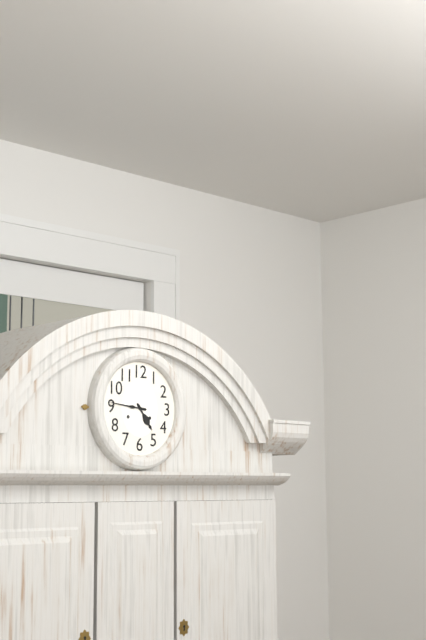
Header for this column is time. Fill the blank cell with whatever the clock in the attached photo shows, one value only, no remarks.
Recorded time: 4:46
